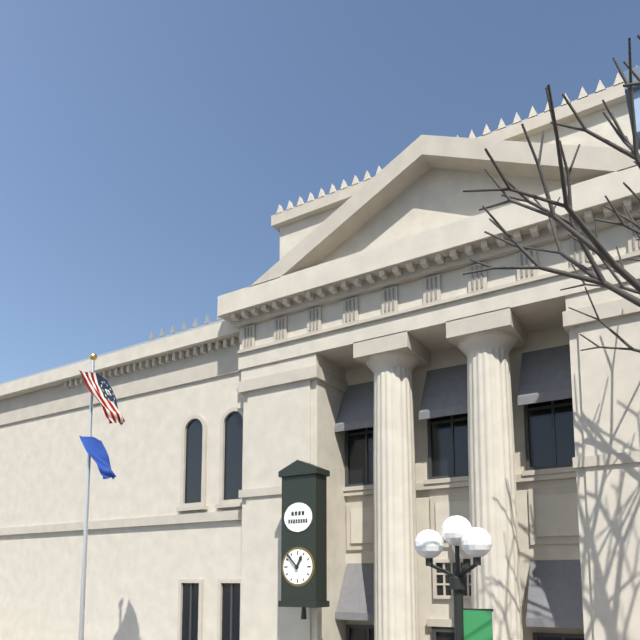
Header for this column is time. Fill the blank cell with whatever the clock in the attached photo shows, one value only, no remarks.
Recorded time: 12:53
